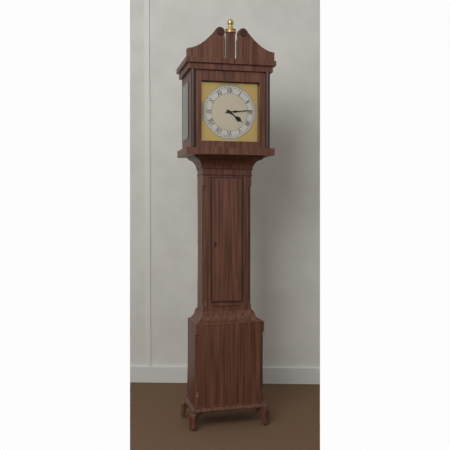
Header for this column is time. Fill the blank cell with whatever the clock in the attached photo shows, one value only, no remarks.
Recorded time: 4:14
